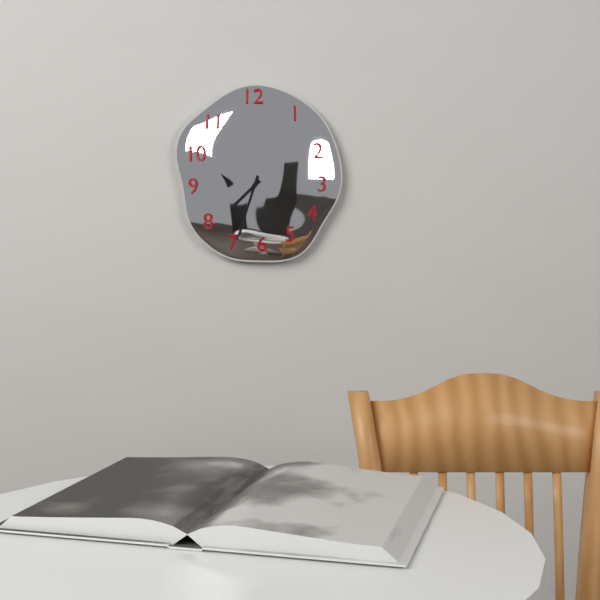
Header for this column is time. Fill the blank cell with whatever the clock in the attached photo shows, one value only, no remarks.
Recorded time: 7:33
